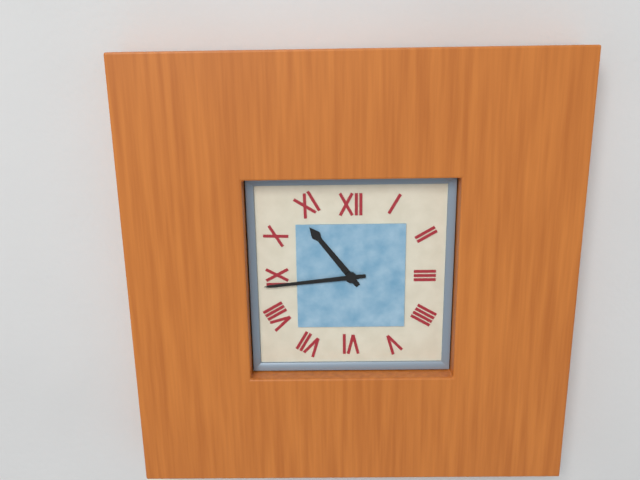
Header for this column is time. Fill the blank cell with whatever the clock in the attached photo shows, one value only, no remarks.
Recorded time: 10:44
